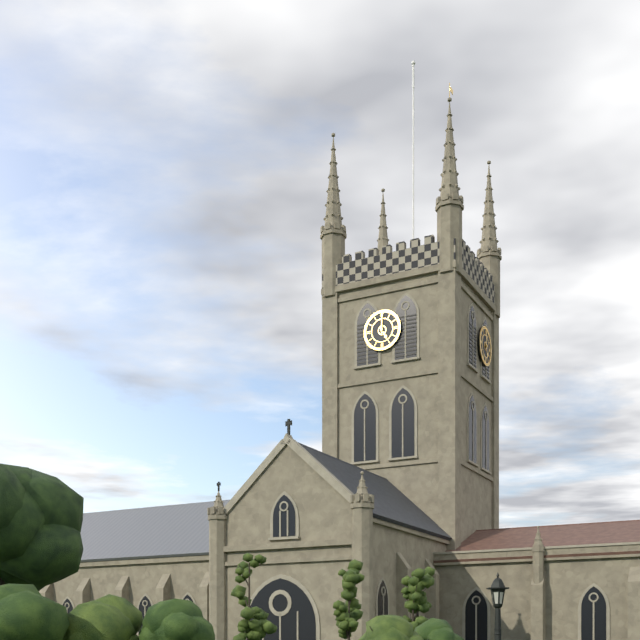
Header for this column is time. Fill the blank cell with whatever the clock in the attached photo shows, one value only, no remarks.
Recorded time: 5:00
